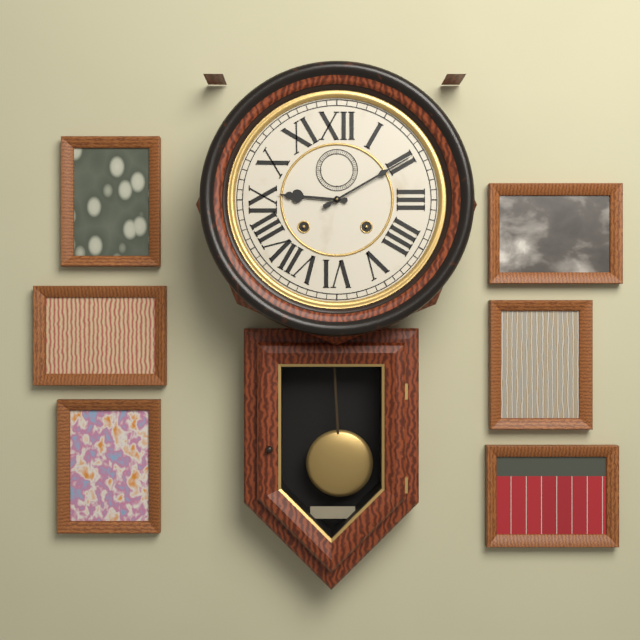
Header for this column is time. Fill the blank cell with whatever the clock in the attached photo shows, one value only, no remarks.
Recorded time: 9:10
